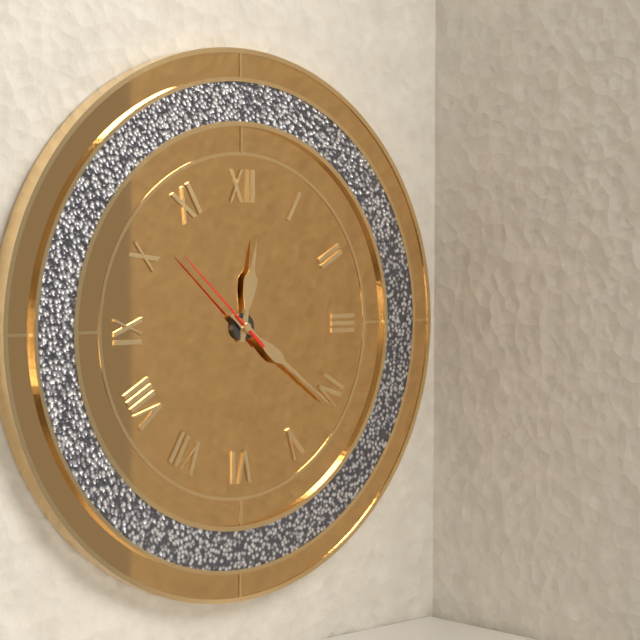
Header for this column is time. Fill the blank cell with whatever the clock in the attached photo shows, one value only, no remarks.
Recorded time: 12:21:52
